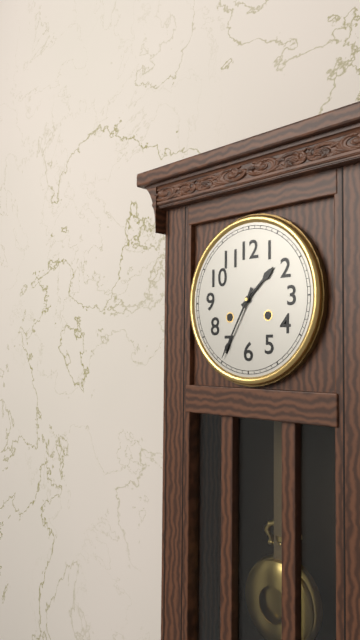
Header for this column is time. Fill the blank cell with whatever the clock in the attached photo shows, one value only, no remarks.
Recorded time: 1:35
